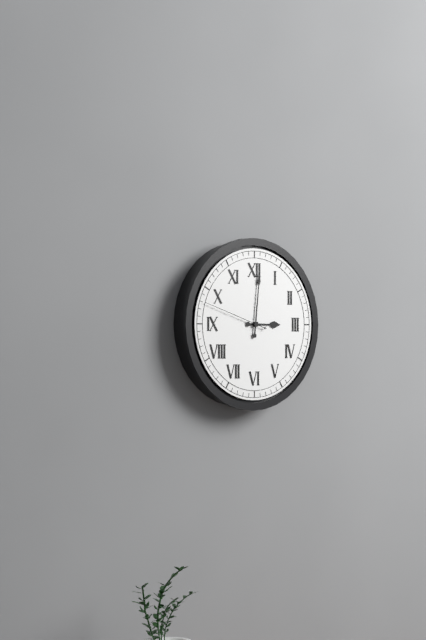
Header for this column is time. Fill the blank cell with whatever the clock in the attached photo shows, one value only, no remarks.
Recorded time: 3:01:48
